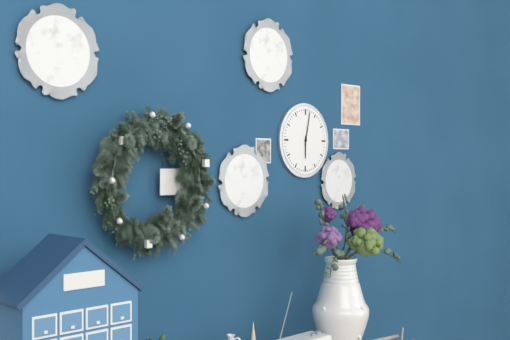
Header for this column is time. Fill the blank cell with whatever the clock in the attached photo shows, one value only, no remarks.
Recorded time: 6:02
